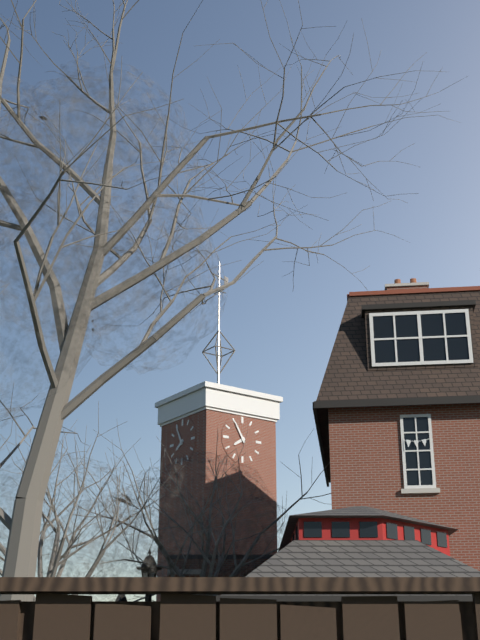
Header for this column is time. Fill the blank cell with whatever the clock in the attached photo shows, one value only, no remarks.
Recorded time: 7:55
